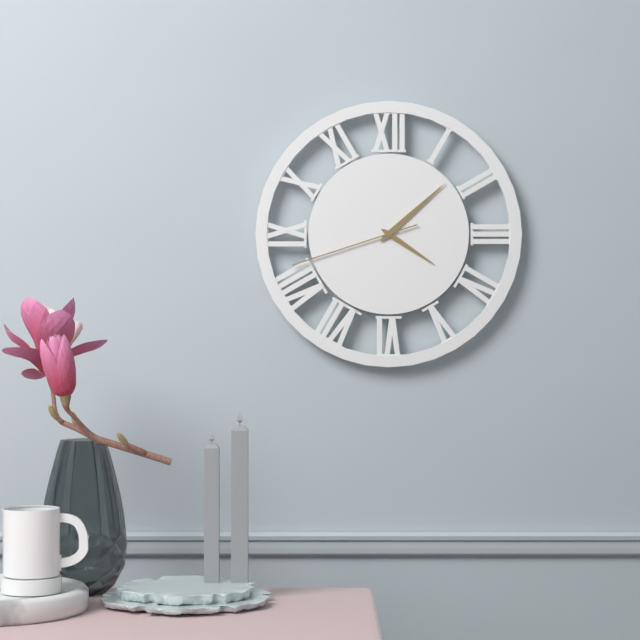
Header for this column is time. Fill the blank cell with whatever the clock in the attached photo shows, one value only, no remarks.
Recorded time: 4:08:42
